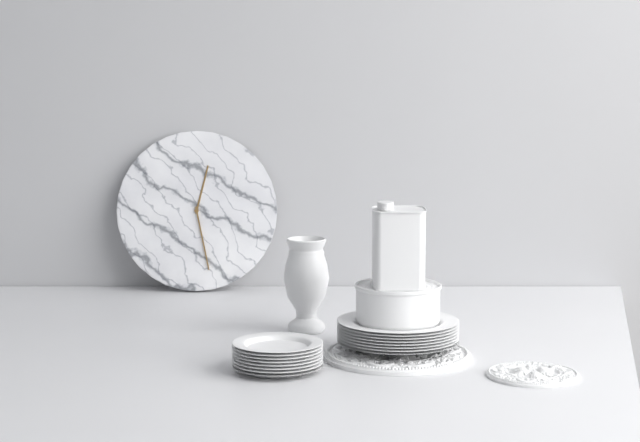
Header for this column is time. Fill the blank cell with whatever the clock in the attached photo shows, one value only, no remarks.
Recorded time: 12:28
